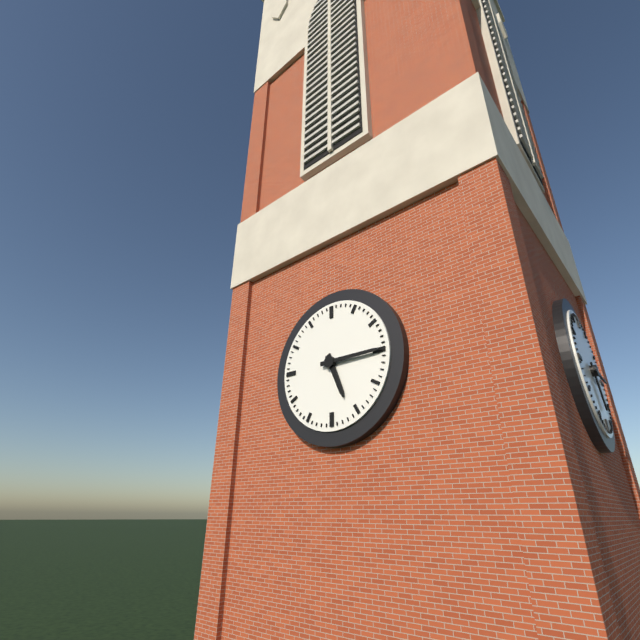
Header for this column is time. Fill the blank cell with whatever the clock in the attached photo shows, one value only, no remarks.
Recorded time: 5:15
